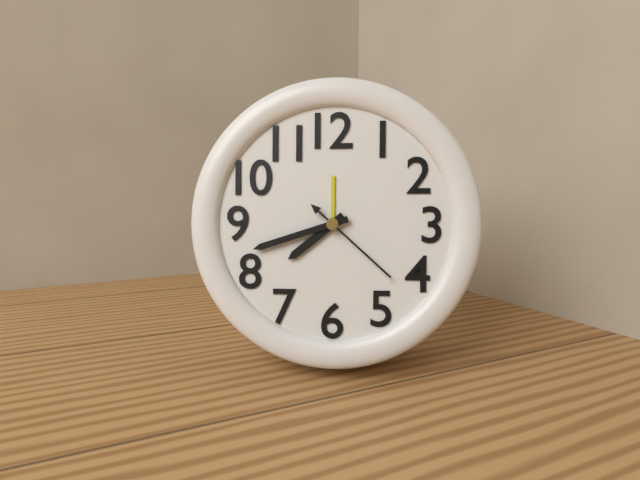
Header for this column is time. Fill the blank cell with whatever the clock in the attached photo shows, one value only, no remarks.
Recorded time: 7:42:22
